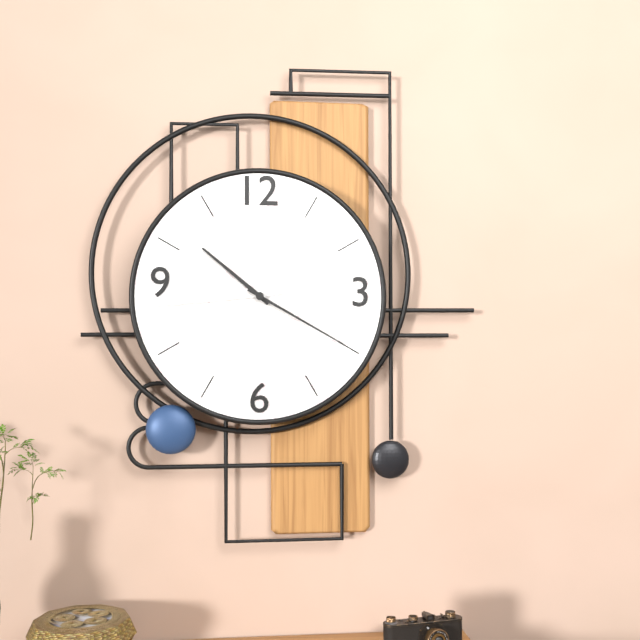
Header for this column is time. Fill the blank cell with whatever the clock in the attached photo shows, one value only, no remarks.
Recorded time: 10:20:44
